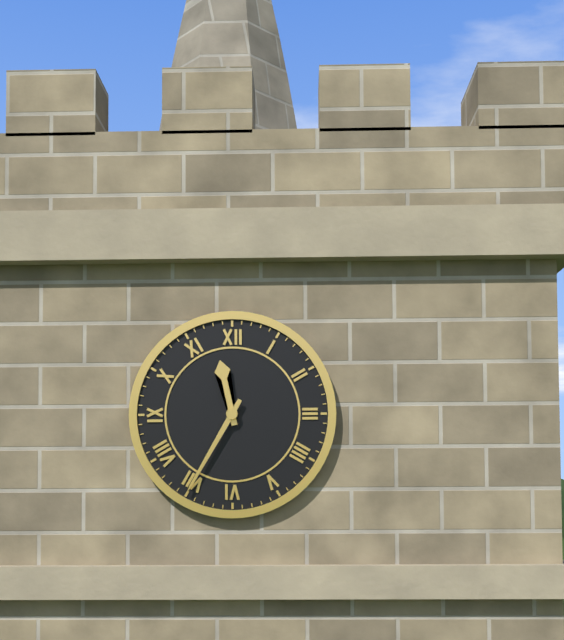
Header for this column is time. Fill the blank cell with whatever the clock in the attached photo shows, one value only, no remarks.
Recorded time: 11:35
